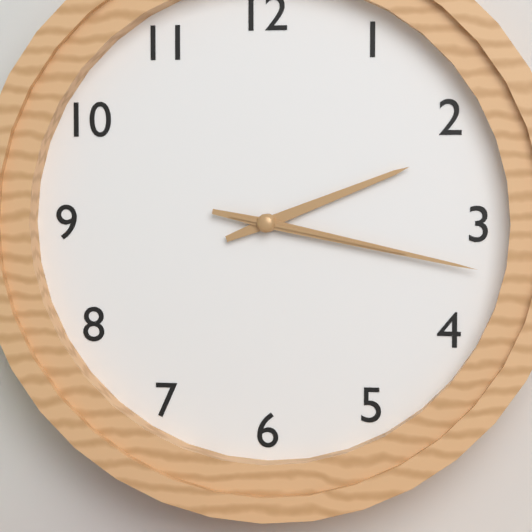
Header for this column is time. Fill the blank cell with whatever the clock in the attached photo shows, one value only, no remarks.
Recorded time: 2:17:17
